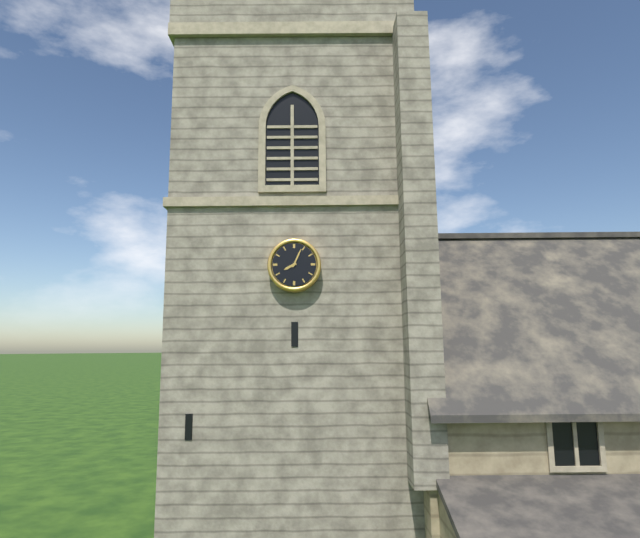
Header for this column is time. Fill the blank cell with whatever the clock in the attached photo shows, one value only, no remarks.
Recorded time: 8:04
